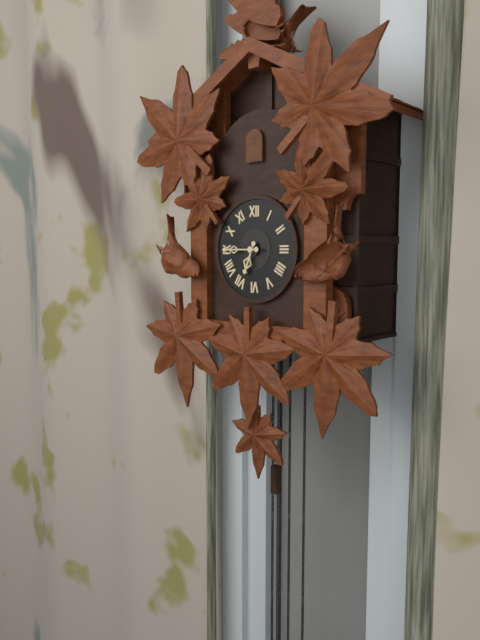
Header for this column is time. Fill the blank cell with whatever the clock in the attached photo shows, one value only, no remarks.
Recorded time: 6:45
